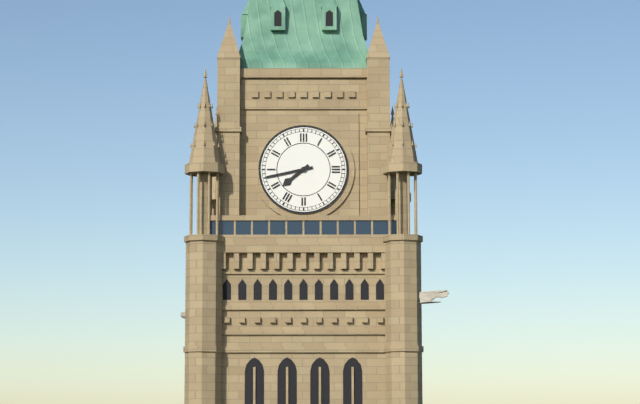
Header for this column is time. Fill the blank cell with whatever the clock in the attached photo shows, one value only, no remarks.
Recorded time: 7:43
